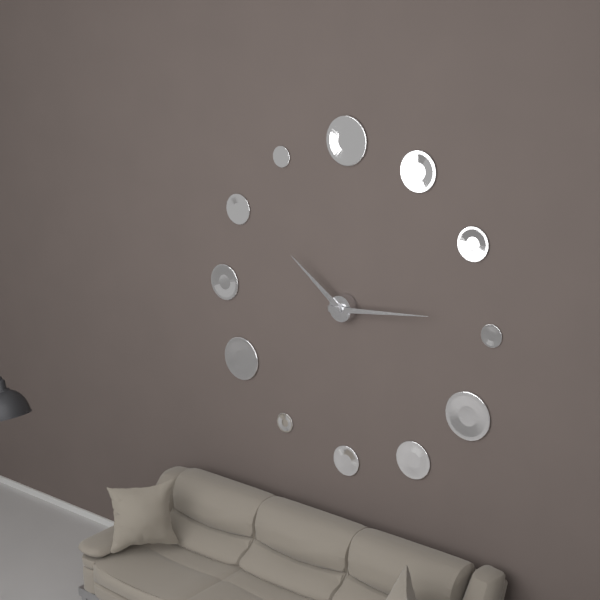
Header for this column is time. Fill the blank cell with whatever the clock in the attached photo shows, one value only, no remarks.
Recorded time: 10:14
